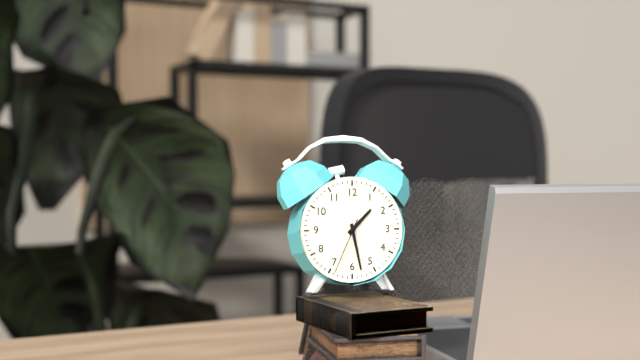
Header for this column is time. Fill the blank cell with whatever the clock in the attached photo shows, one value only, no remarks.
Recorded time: 1:28:34
